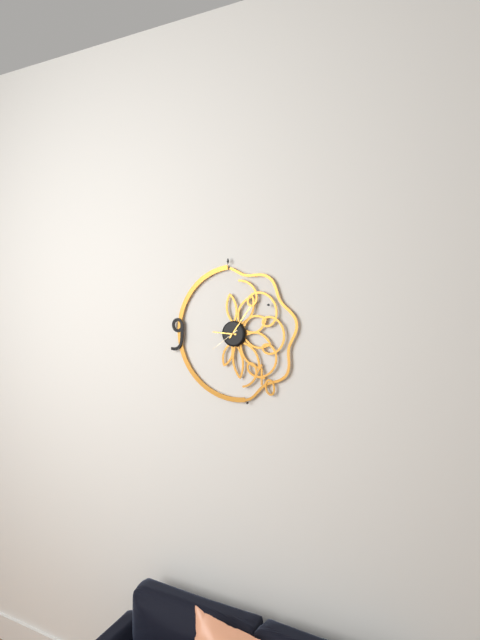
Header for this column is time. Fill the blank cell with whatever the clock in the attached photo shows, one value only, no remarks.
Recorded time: 9:06
